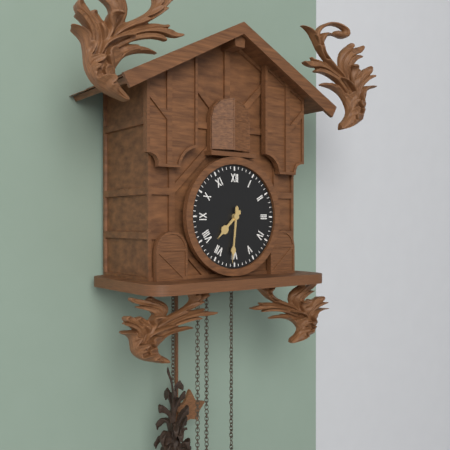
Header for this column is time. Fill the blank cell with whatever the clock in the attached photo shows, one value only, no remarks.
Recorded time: 7:31
